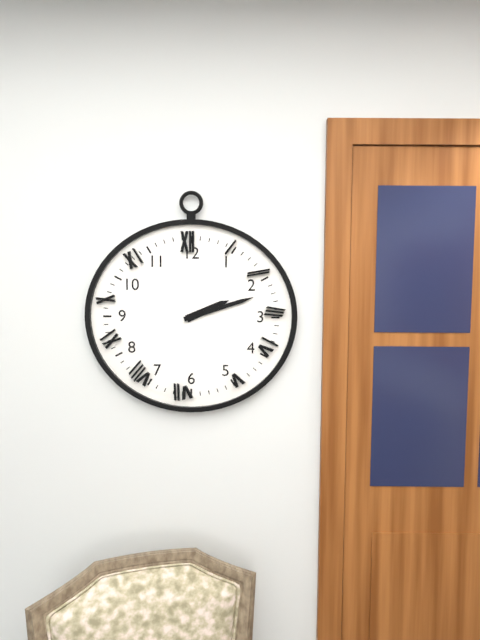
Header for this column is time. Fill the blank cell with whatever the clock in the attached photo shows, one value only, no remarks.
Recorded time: 2:12
